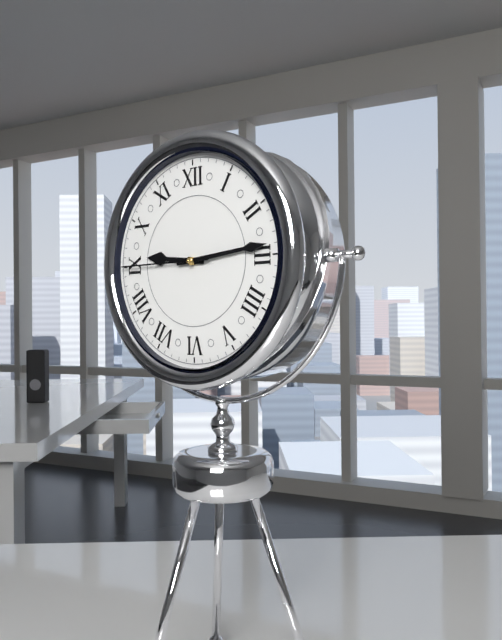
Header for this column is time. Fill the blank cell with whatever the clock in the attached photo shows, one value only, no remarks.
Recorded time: 9:14:45
